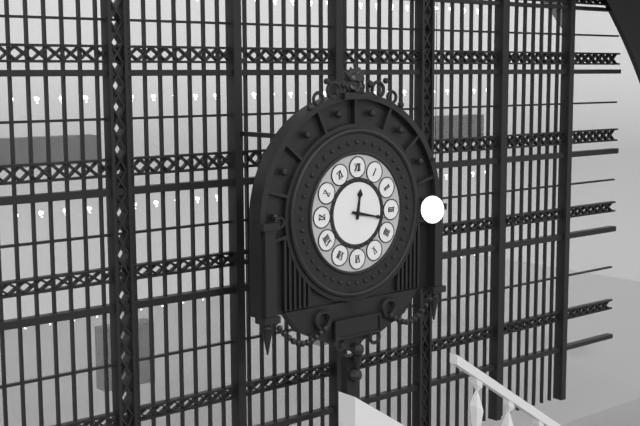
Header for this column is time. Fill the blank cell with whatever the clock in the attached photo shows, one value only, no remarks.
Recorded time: 12:17
